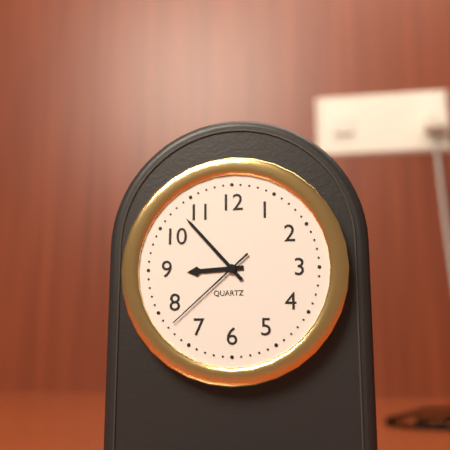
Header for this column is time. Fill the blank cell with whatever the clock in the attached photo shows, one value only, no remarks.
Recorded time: 8:53:38
